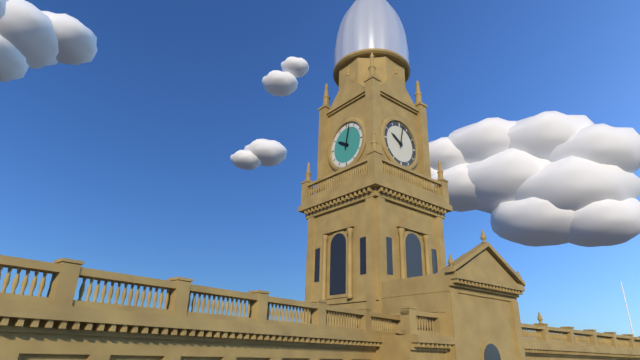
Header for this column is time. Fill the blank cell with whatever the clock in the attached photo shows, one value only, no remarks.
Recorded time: 10:02
